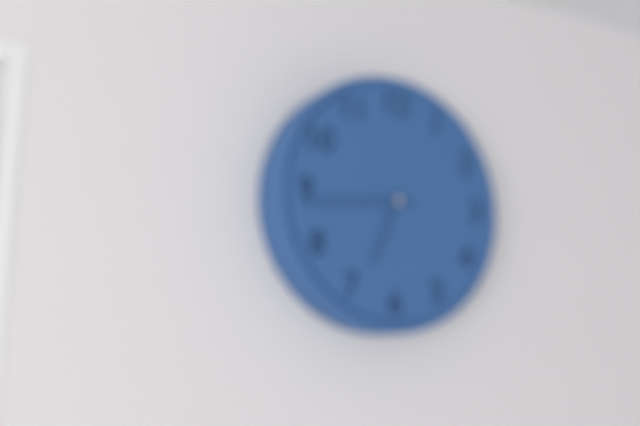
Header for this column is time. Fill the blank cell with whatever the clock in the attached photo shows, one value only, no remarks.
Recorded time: 6:44
